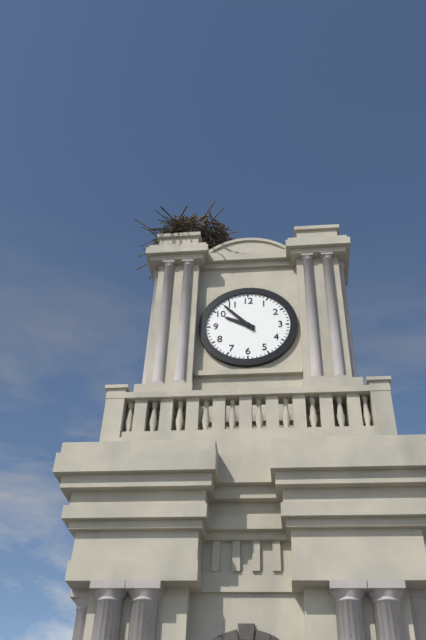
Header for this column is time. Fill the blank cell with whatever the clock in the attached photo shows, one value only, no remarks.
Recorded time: 9:53
